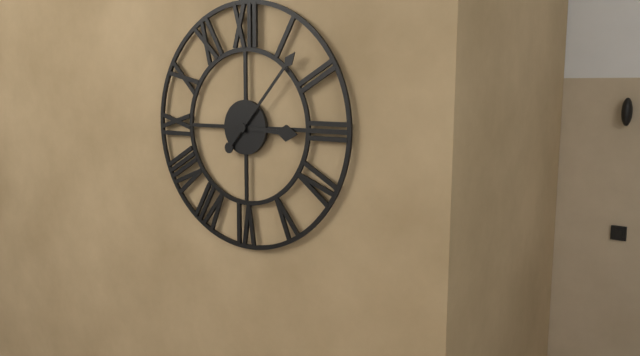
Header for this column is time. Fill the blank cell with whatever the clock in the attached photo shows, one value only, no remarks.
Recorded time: 3:07
